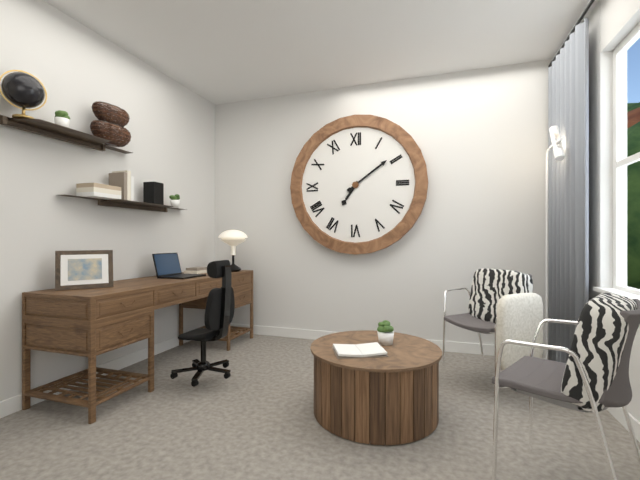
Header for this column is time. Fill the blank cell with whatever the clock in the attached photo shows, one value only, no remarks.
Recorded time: 7:09
